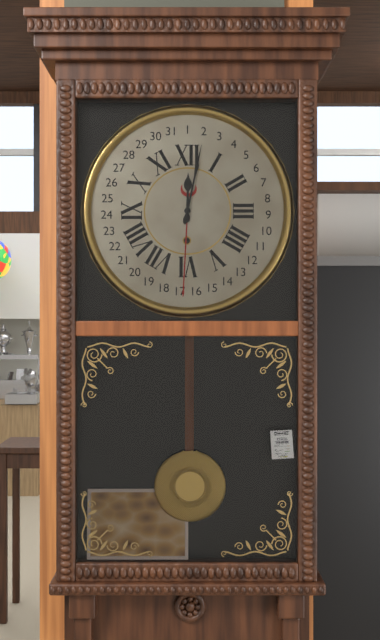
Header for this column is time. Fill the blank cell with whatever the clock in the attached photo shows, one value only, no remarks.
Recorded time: 12:02
